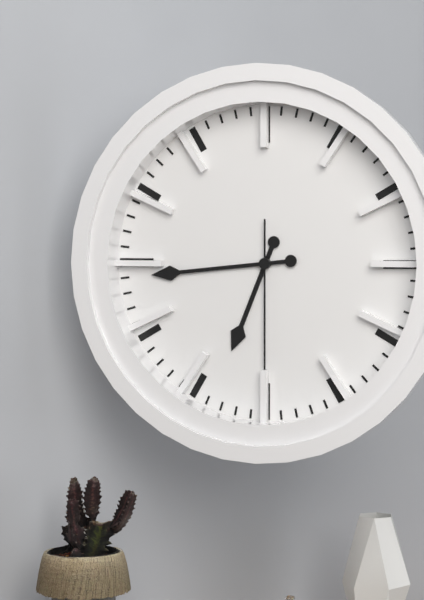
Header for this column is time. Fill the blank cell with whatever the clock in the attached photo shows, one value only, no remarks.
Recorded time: 6:44:30
